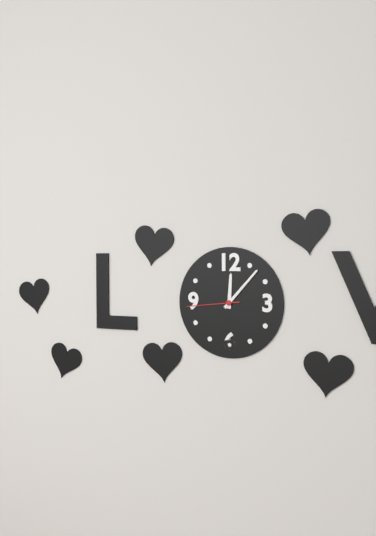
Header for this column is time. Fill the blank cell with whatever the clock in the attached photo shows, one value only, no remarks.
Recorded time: 12:07:44
